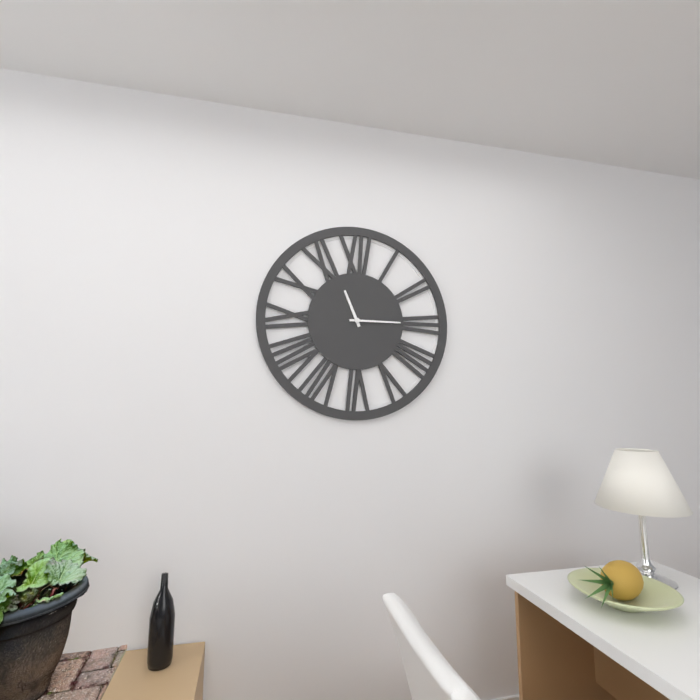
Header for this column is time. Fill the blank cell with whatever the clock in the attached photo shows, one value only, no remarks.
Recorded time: 11:15
